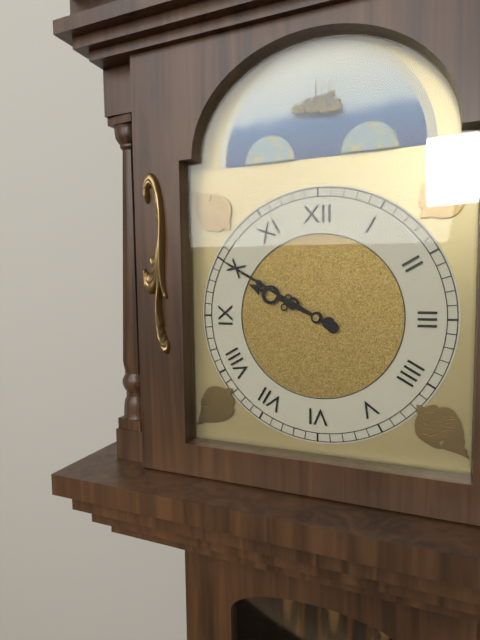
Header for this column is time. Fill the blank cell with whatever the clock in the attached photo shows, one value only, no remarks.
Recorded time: 9:50
